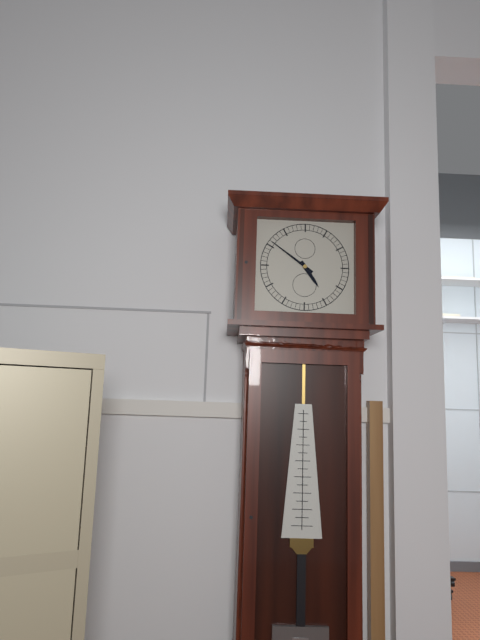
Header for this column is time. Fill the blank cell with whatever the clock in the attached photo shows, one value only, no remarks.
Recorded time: 4:51
